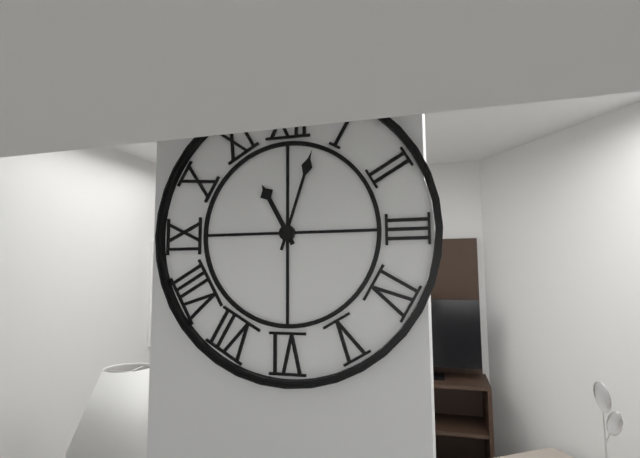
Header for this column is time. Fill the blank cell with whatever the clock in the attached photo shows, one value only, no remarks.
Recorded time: 11:03
